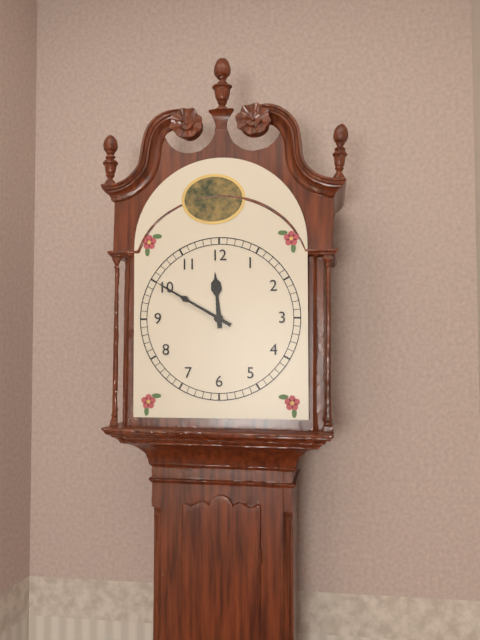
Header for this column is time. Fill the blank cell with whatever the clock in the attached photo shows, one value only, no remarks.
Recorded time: 11:50
